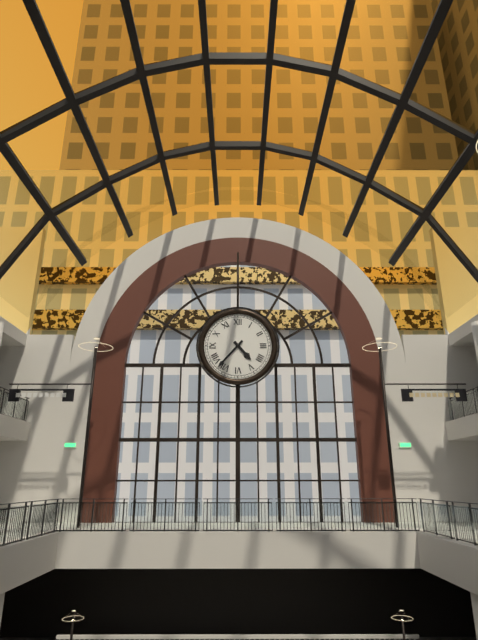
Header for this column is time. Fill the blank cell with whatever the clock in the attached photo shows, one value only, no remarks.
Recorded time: 4:37
